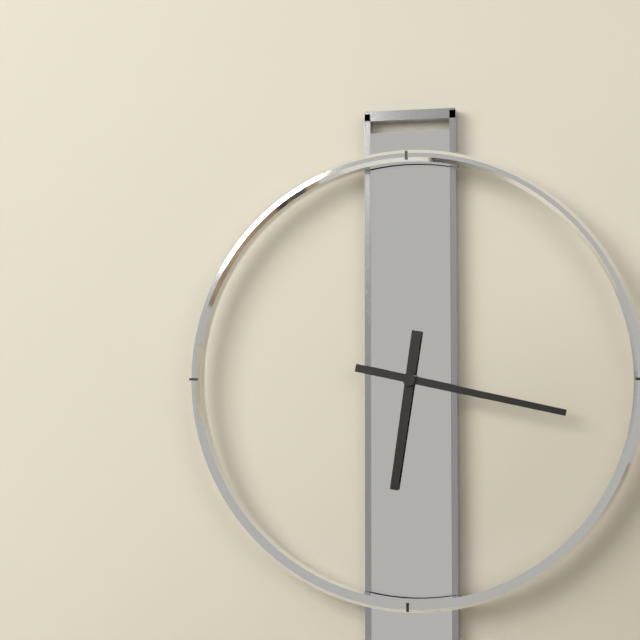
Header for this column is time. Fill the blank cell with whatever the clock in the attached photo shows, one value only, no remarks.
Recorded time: 6:17
